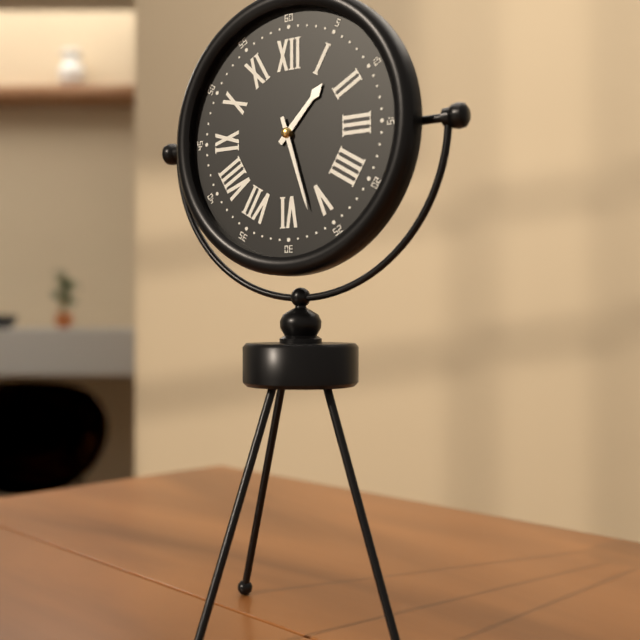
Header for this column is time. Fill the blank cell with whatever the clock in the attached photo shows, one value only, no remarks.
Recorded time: 1:27
